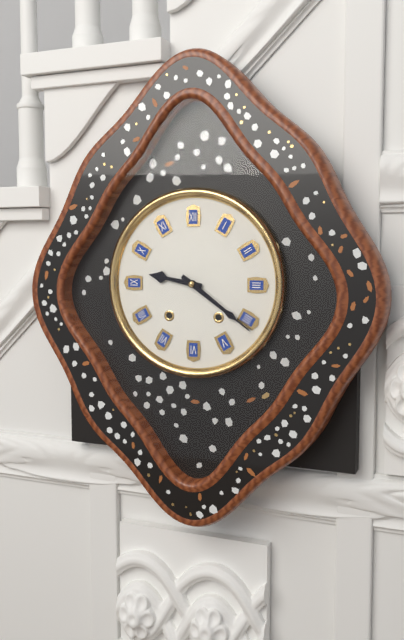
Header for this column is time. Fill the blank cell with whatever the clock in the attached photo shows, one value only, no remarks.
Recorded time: 9:21
